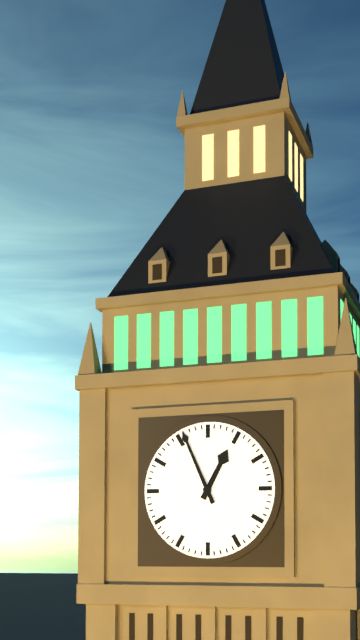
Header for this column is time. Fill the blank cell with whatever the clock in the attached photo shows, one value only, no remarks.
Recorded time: 12:56
